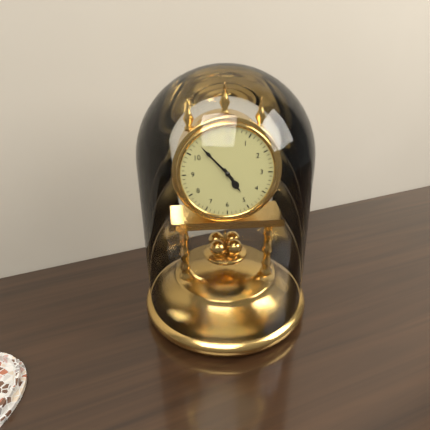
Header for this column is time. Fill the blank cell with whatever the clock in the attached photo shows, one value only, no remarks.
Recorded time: 4:53
